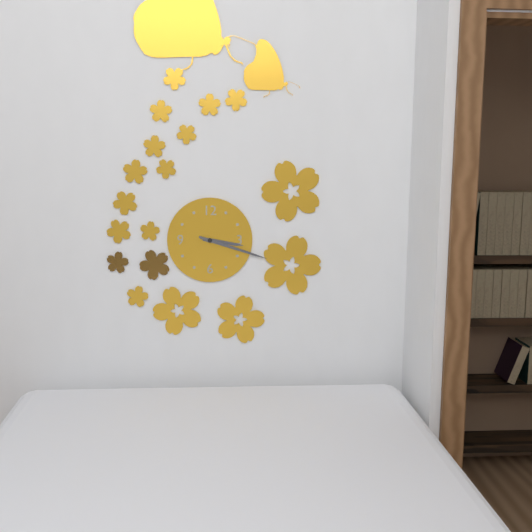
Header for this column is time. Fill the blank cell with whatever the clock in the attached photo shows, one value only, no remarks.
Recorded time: 3:18
